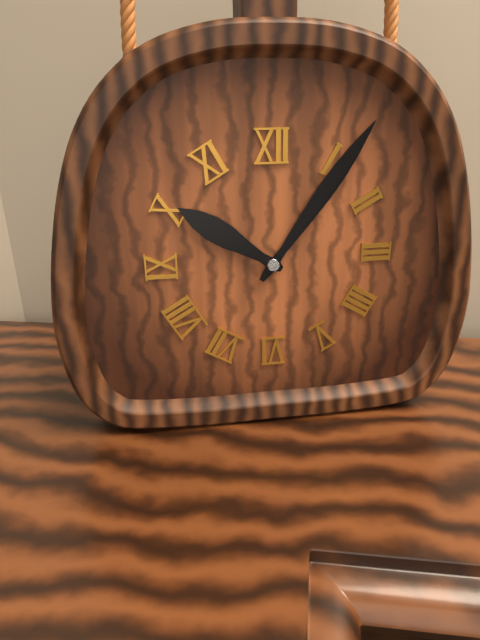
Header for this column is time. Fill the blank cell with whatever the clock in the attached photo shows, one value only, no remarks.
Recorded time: 10:06
